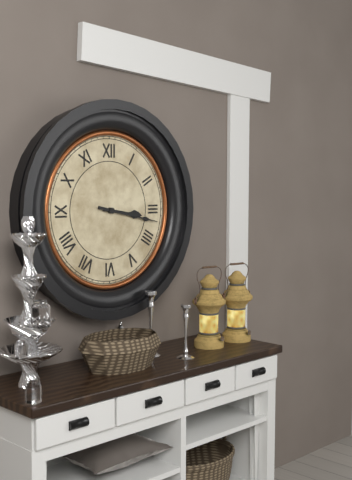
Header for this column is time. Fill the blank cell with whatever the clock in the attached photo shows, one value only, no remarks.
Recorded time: 3:17
